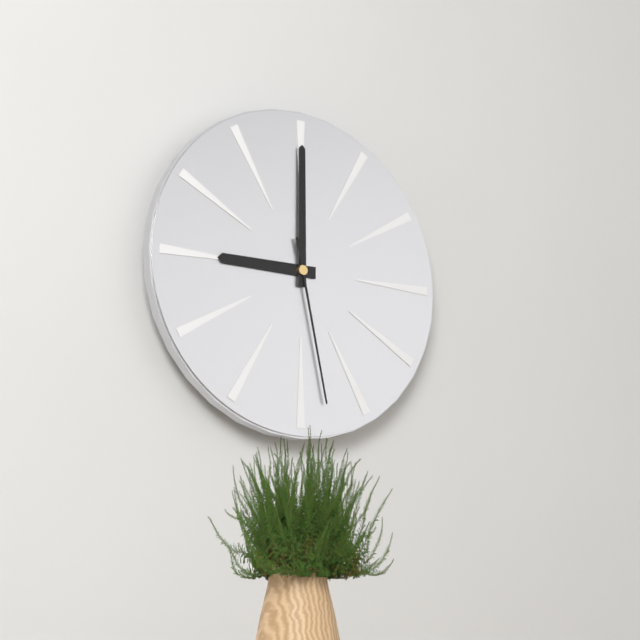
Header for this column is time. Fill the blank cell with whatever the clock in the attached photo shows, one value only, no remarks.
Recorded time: 9:00:28
